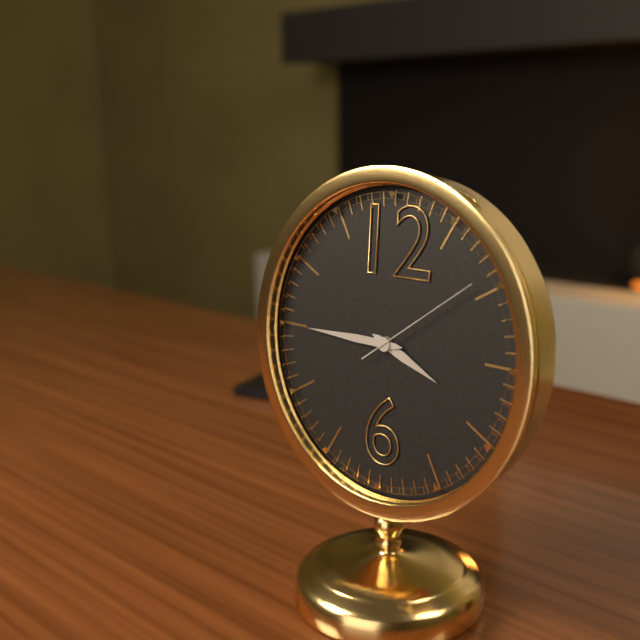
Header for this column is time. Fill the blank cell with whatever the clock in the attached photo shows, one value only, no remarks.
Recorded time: 3:45:09
